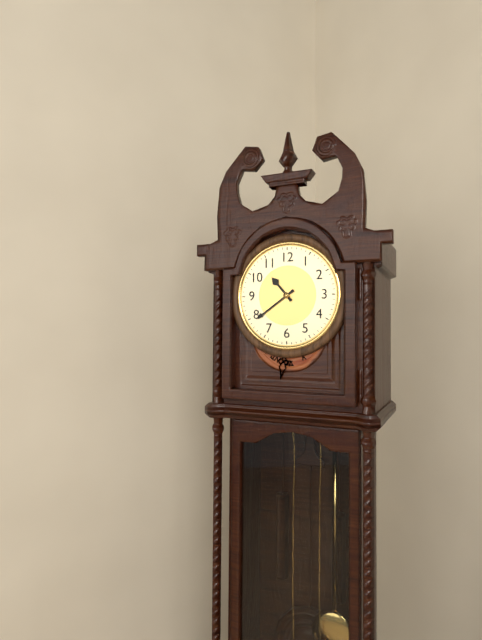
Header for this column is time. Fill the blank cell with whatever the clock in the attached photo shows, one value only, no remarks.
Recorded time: 10:39
